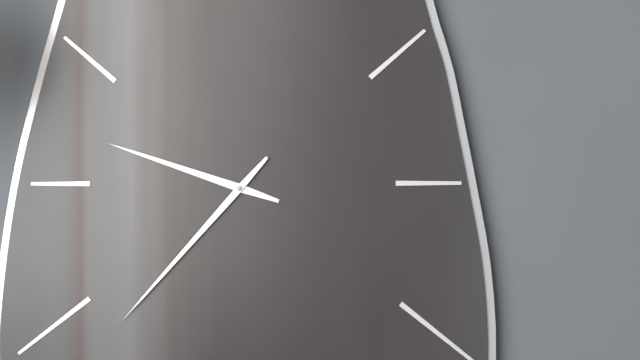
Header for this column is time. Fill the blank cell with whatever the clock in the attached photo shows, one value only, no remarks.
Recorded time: 9:37
